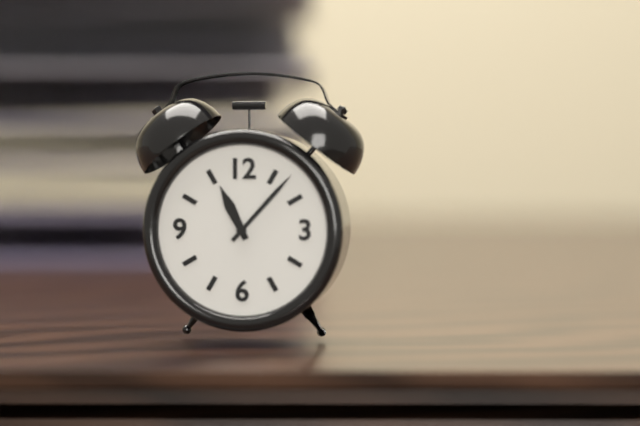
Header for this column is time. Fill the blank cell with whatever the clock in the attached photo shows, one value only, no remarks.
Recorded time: 11:07
